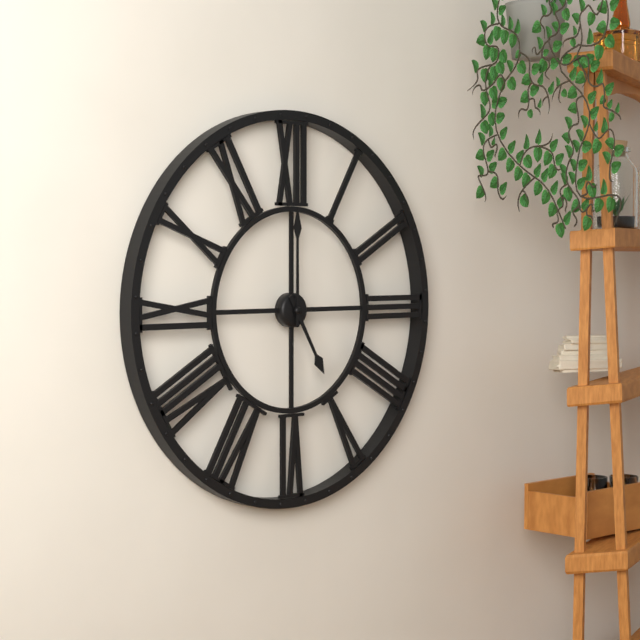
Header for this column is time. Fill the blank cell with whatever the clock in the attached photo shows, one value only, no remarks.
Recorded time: 5:00
